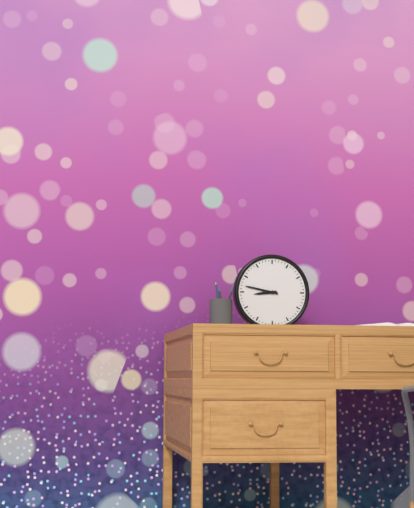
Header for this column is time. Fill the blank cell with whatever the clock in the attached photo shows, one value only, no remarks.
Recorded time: 8:47
